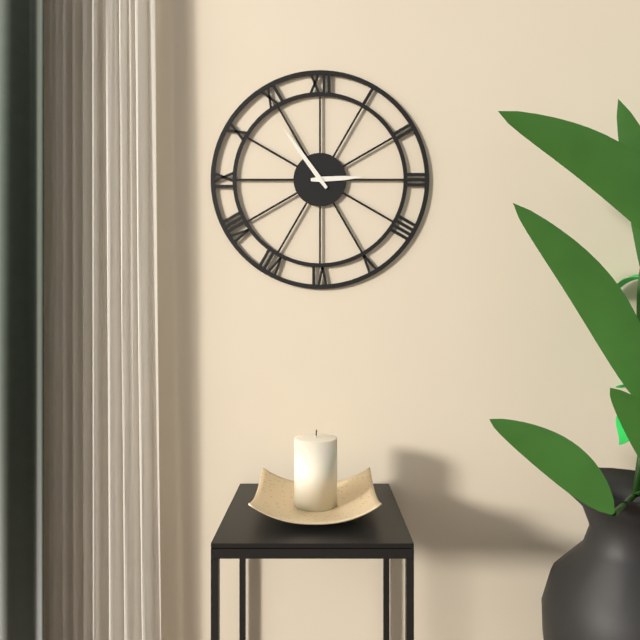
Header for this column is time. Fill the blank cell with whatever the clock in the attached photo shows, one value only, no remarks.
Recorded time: 2:54
